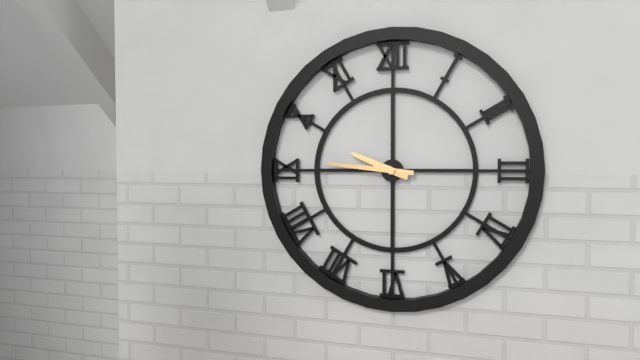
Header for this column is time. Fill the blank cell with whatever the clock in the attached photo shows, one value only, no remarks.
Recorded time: 9:46
